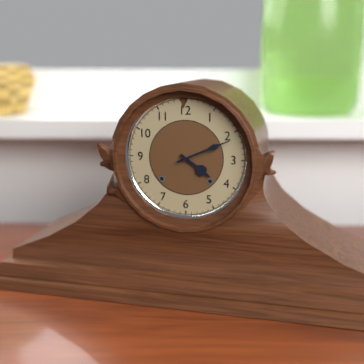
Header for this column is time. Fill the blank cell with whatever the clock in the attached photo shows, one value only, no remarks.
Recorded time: 4:11
